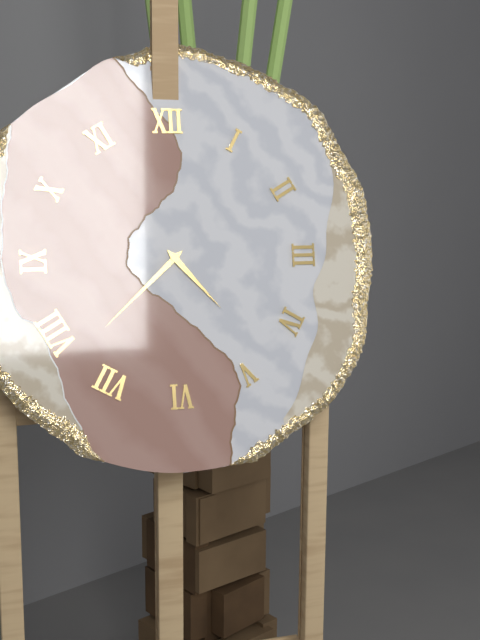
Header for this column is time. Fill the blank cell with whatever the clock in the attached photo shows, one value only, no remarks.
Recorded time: 4:38
